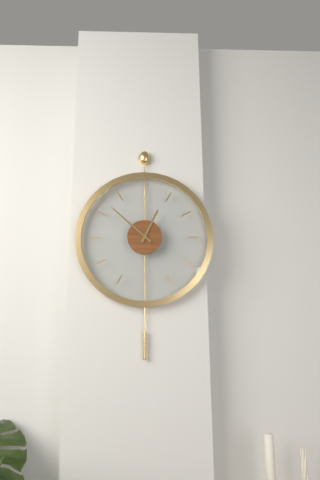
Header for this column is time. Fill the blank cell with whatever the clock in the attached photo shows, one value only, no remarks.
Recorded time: 12:52
